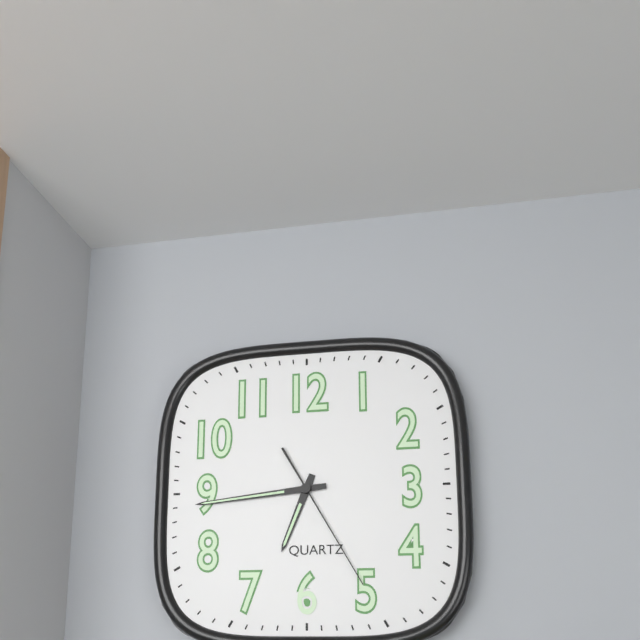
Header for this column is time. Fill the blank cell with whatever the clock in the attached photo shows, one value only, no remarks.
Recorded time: 6:44:25
